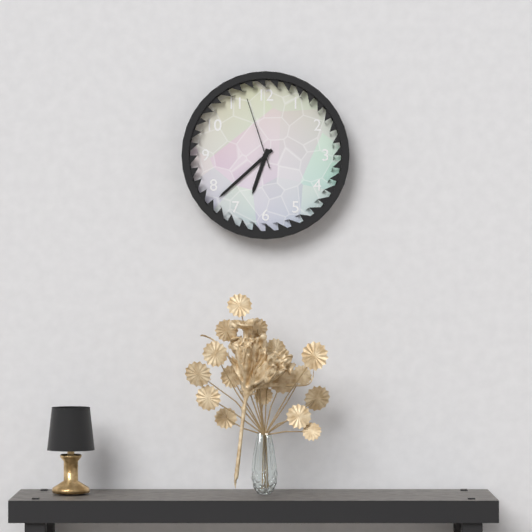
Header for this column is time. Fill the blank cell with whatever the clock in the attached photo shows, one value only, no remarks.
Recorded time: 6:38:57
